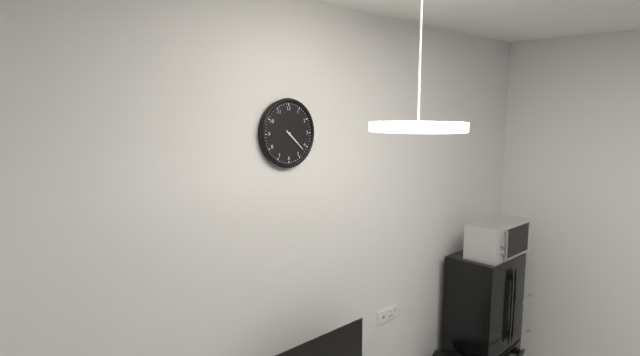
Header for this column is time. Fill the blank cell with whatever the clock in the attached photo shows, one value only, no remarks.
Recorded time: 4:22
